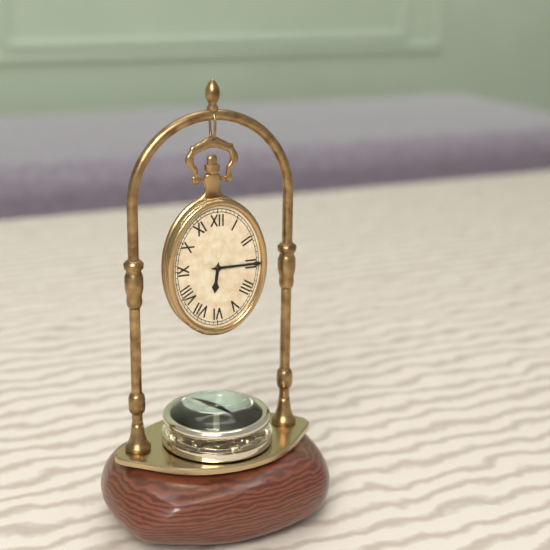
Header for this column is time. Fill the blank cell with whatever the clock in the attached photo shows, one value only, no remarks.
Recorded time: 6:15
